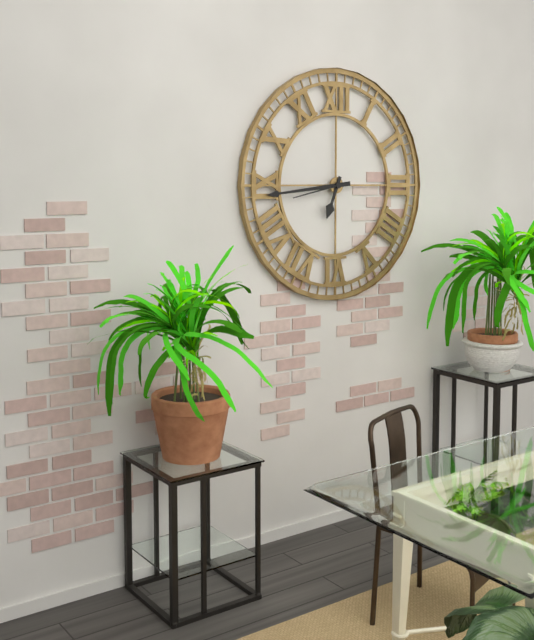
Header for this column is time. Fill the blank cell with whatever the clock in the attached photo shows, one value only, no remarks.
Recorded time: 6:44:43
